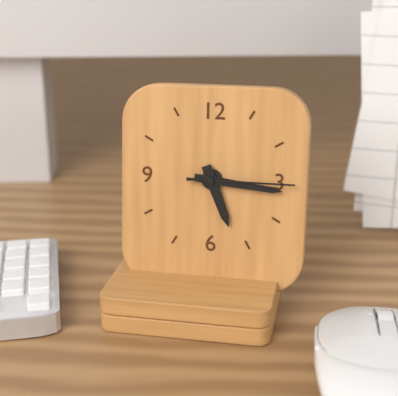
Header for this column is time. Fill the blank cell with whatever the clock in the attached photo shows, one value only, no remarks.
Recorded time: 5:16:15
